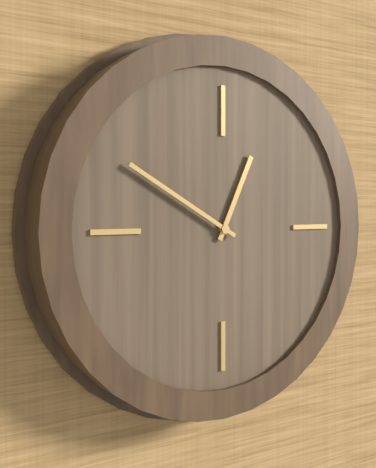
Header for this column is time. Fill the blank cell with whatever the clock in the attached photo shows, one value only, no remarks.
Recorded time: 12:50
